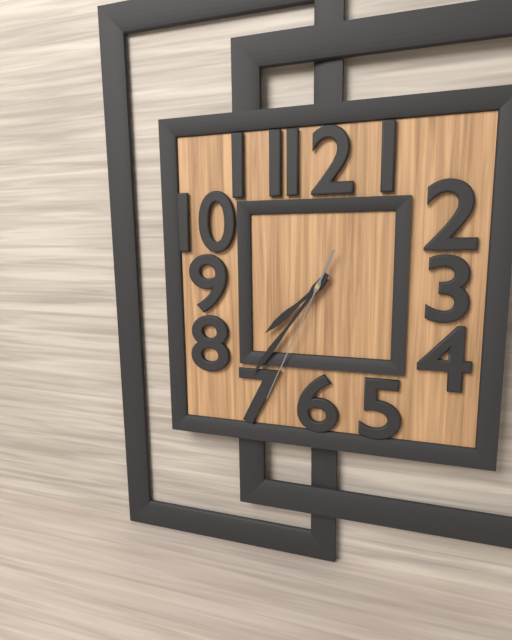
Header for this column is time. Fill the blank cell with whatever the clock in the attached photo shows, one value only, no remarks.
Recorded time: 7:36:34
